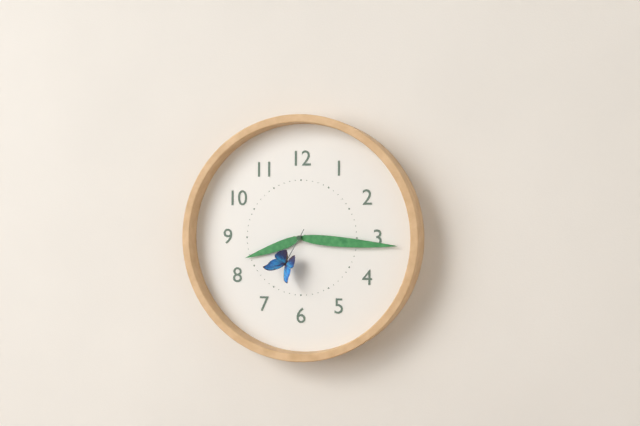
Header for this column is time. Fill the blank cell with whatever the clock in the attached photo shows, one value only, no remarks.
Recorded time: 8:16:35
